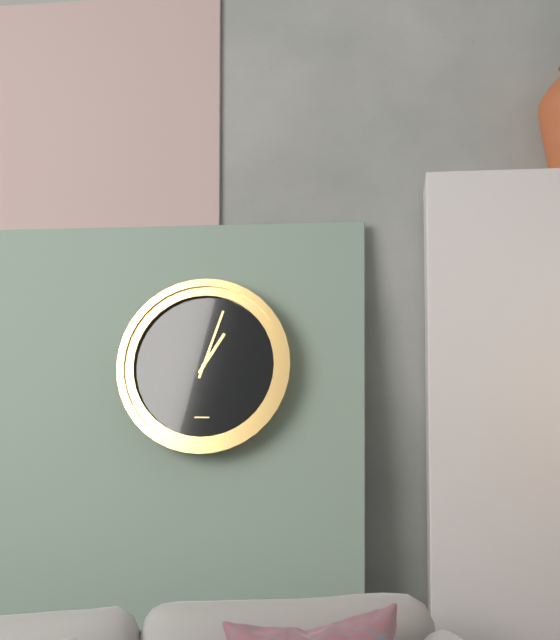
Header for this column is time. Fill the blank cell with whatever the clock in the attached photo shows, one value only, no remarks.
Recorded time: 1:03
